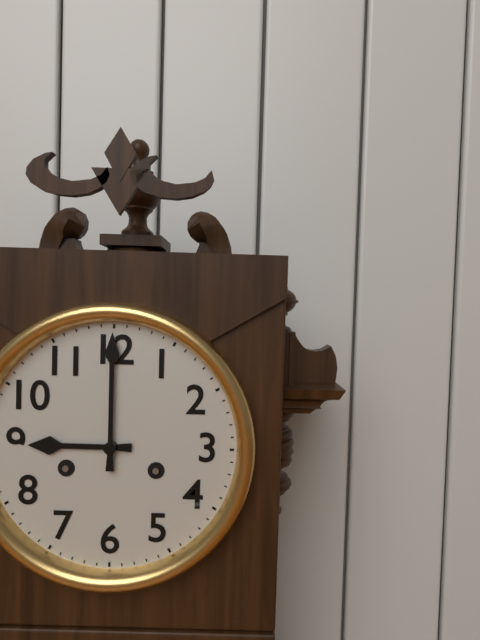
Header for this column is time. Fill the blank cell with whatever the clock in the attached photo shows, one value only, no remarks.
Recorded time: 9:00
